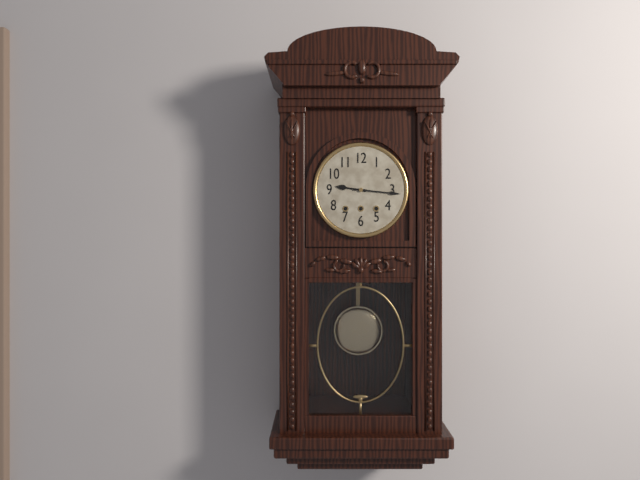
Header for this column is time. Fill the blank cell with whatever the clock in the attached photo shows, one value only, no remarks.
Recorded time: 9:16
